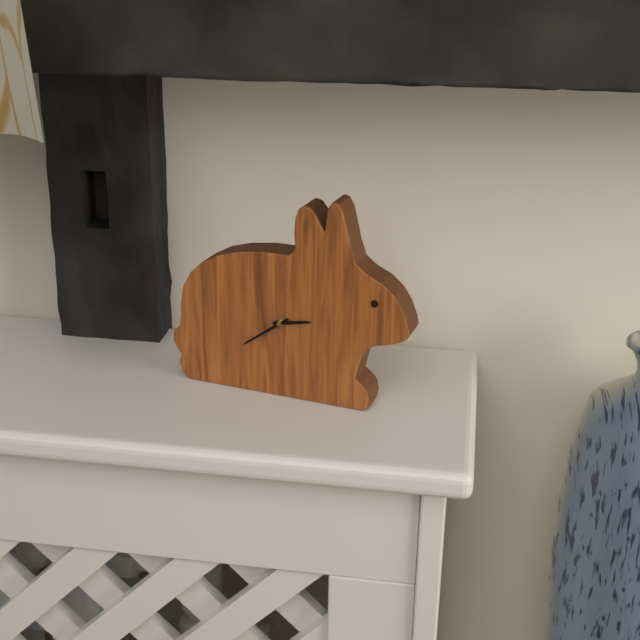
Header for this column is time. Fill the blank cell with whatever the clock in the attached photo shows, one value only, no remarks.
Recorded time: 2:39
